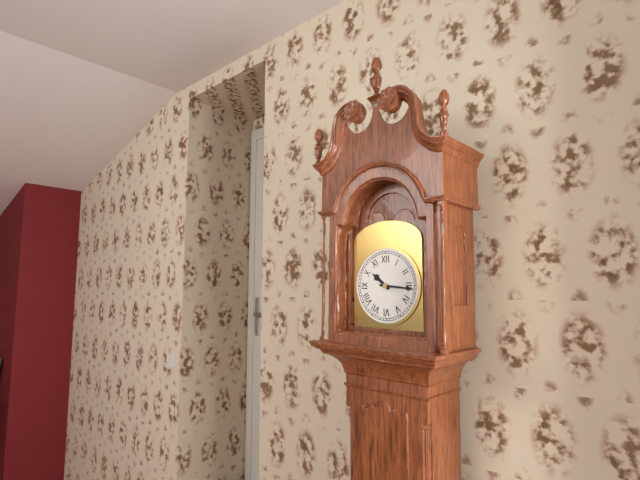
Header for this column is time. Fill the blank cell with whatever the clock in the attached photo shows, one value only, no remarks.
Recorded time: 10:16
